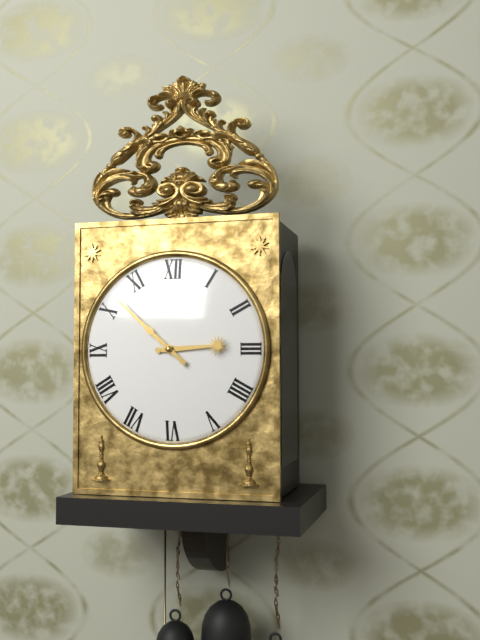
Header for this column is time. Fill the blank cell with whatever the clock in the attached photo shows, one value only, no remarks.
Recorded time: 2:52
